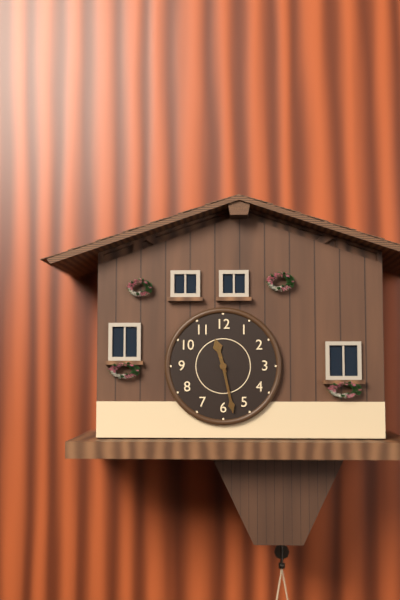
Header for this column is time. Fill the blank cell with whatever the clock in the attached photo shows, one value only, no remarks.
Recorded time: 11:28
